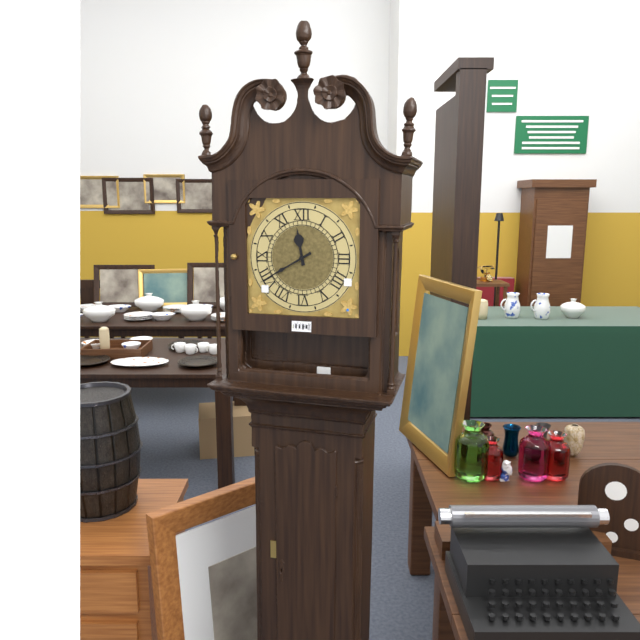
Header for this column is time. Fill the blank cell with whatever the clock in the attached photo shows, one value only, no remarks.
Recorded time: 11:40
